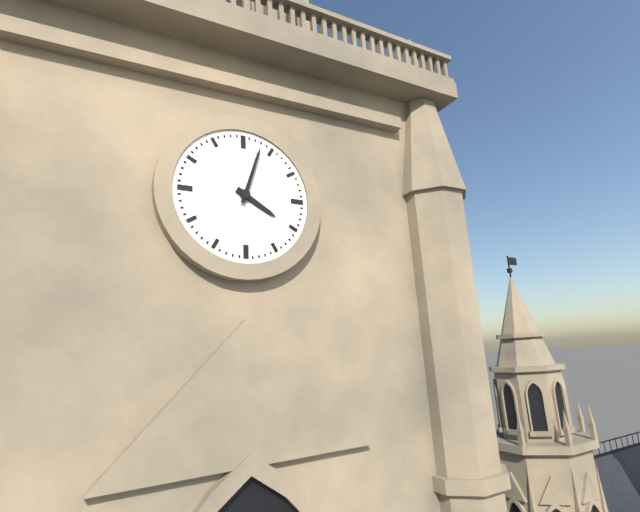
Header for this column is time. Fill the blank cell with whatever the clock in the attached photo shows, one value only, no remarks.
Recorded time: 4:03
